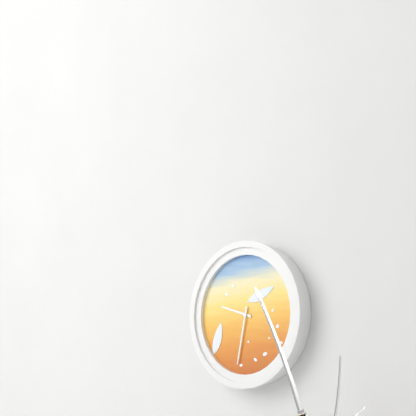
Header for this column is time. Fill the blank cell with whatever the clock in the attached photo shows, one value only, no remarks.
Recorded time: 9:32
